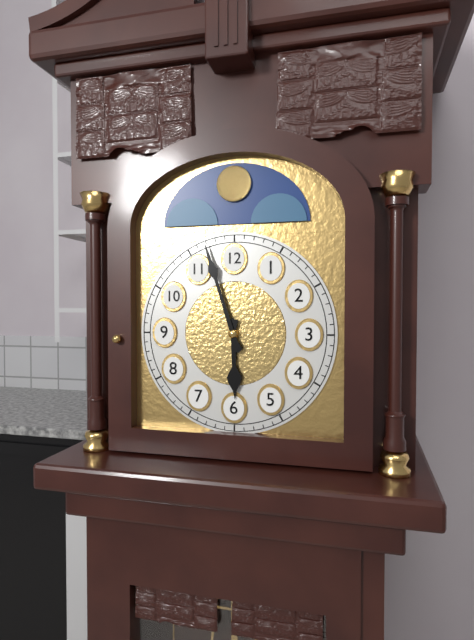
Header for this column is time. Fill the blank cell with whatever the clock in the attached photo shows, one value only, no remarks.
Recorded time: 5:57
